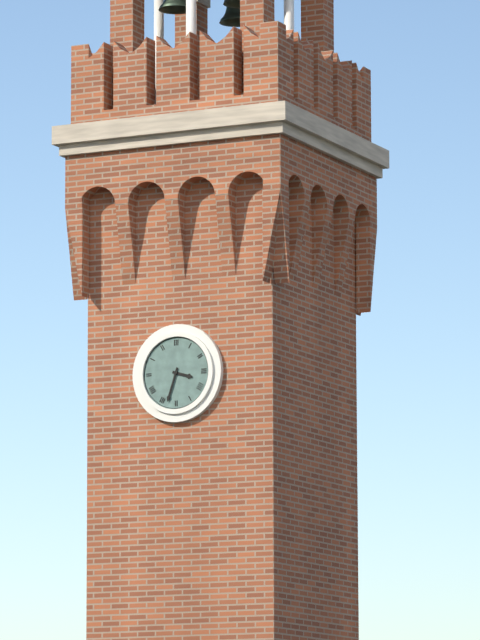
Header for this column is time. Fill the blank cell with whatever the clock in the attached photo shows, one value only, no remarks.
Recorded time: 3:33
